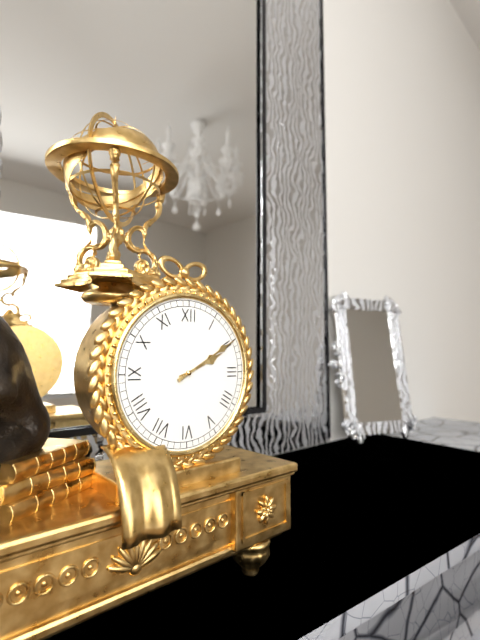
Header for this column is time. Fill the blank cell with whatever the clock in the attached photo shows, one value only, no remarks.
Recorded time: 2:10
